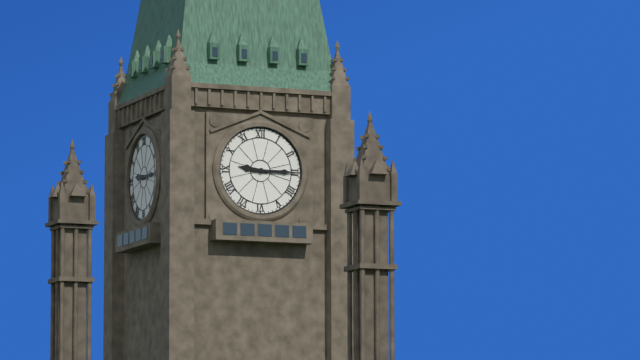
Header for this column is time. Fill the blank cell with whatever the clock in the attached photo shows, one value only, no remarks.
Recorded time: 9:15
